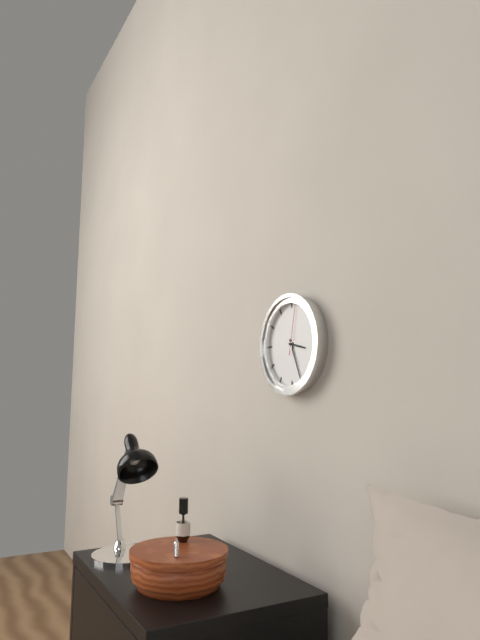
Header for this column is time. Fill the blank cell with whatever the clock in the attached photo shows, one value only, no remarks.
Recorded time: 3:26:02
